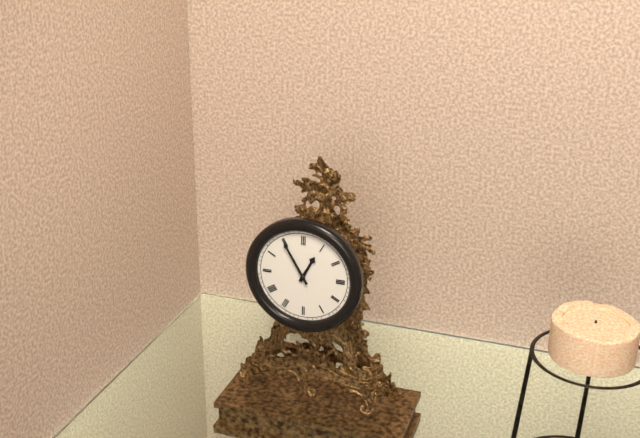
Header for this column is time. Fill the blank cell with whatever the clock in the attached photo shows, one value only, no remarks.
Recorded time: 12:55
